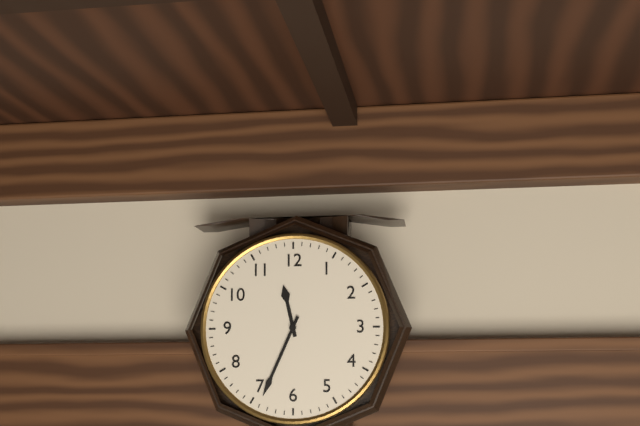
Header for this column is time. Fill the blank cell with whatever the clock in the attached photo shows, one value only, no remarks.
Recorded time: 11:34
